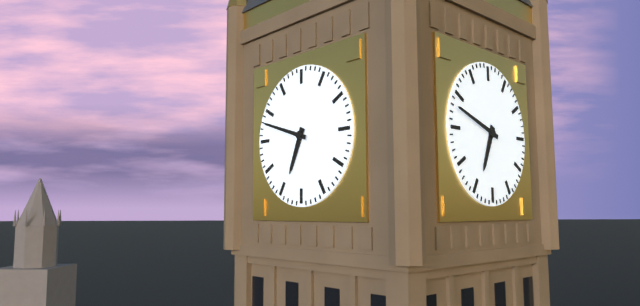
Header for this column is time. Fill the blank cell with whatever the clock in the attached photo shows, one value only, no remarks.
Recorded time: 6:48
